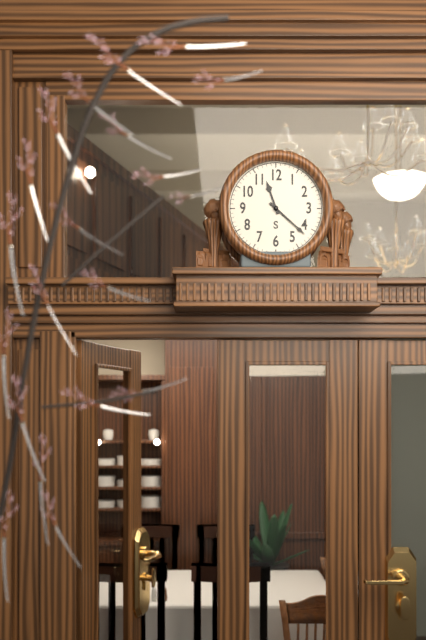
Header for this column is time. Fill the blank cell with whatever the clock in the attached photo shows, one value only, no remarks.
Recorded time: 11:22
